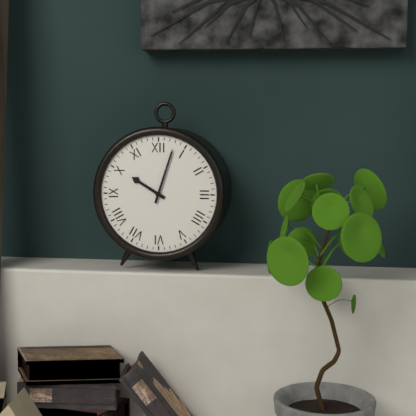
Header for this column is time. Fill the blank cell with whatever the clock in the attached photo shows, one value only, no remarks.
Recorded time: 10:03
